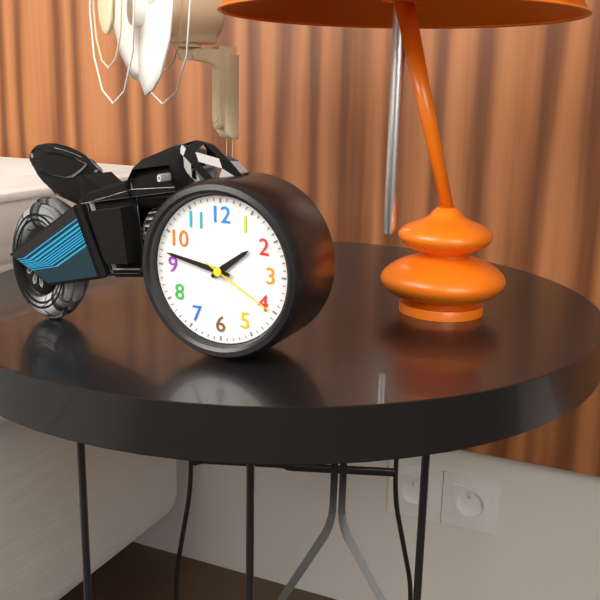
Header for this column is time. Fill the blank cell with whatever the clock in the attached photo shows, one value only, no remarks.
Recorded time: 1:47:20
